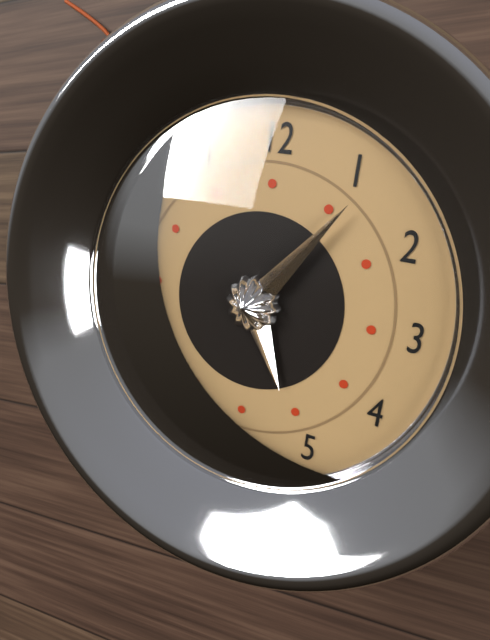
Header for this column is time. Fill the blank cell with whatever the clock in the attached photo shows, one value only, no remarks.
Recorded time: 5:06
